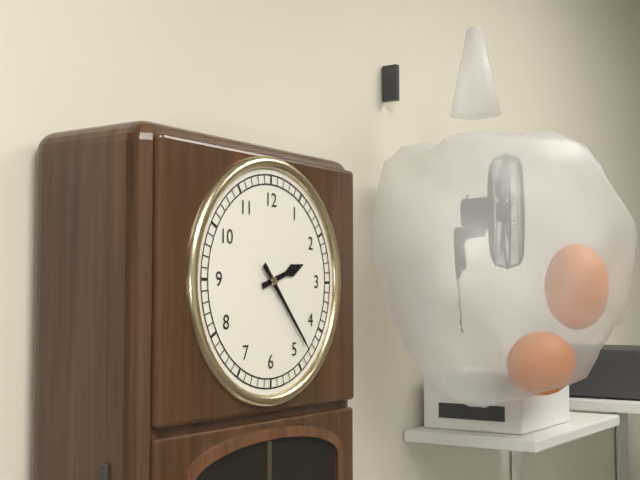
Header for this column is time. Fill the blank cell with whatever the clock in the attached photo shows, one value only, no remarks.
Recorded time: 2:23
